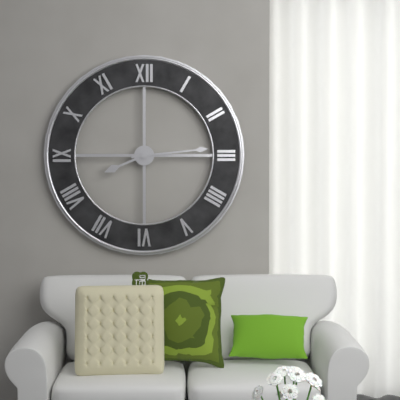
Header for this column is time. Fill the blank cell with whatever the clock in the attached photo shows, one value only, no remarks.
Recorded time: 8:14
